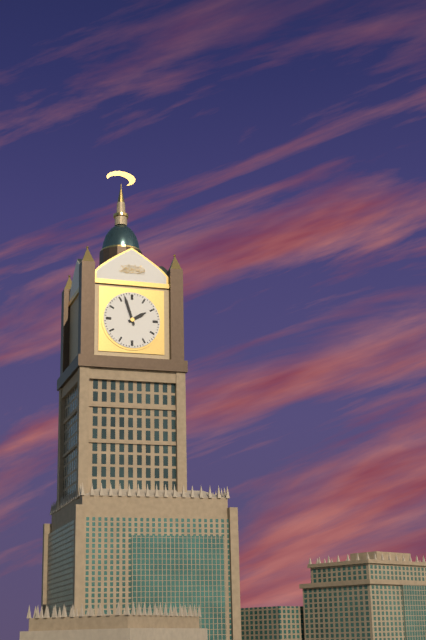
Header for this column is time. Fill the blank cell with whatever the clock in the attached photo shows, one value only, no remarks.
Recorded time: 1:57
